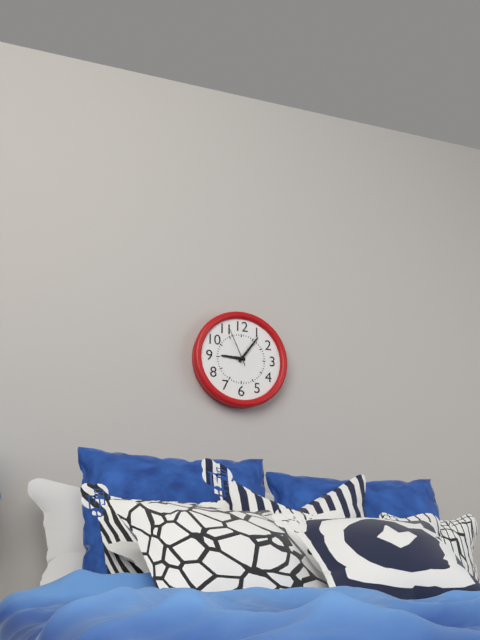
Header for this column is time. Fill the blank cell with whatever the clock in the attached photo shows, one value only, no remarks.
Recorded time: 9:06
